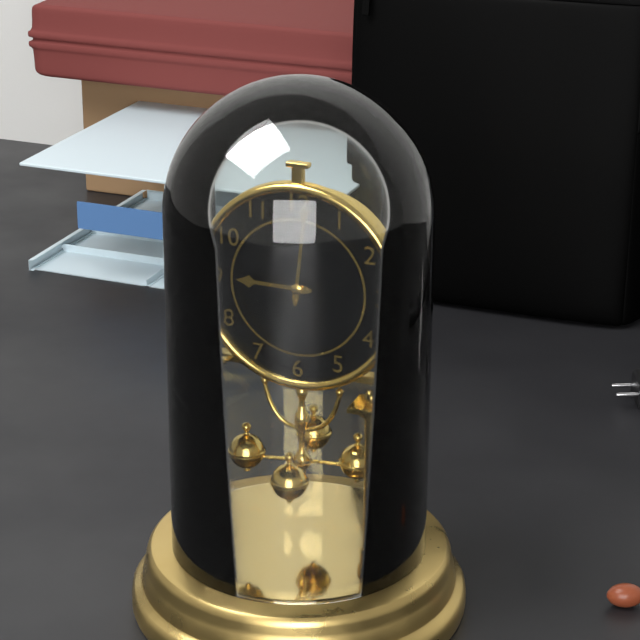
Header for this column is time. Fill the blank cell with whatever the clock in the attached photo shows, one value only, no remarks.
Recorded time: 9:01
